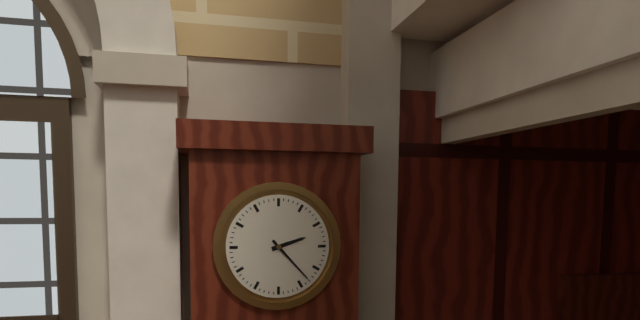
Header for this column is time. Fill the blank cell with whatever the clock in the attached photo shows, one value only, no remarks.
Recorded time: 2:23
